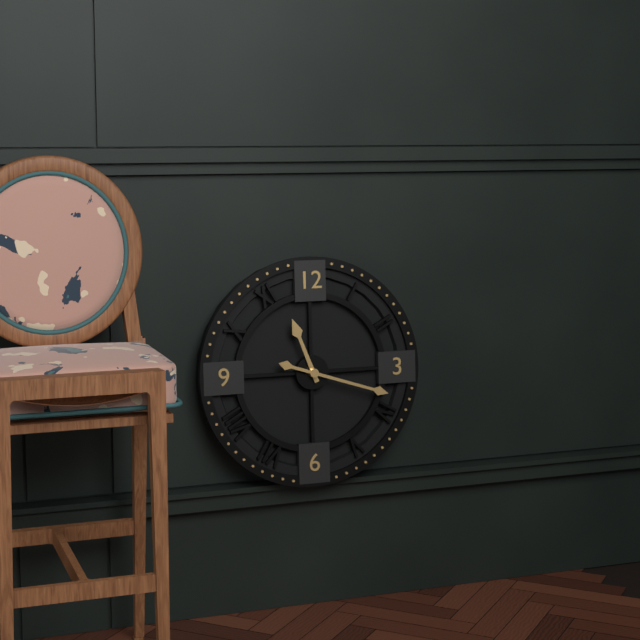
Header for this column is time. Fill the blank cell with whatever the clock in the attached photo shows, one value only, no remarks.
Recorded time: 11:18
